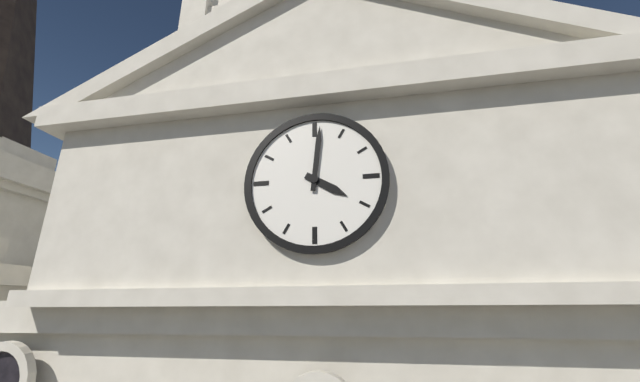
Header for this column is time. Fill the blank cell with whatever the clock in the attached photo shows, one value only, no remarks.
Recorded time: 4:01
